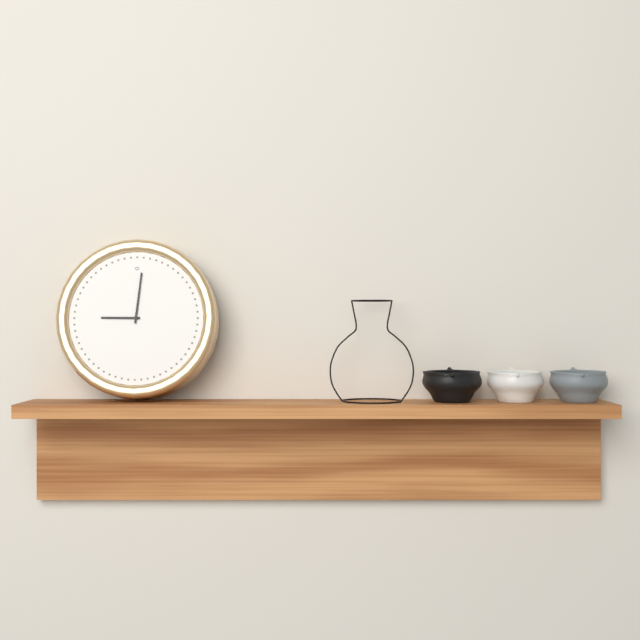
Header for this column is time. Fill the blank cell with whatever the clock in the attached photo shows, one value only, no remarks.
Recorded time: 9:01
